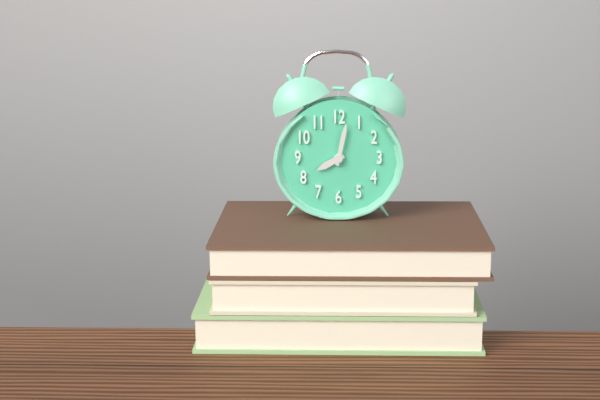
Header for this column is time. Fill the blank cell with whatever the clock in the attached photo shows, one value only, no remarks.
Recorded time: 8:02
